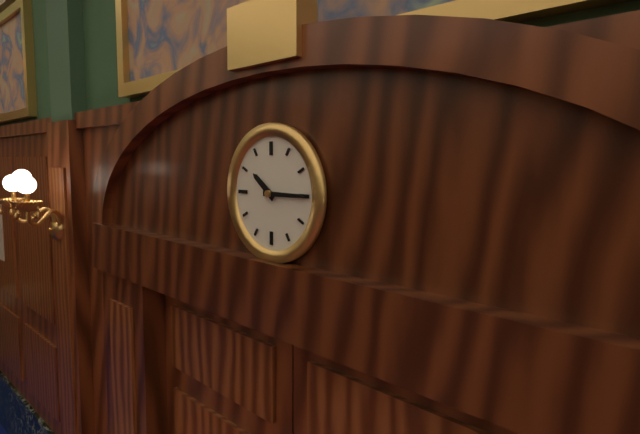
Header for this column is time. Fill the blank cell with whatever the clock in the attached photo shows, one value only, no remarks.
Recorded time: 10:15
